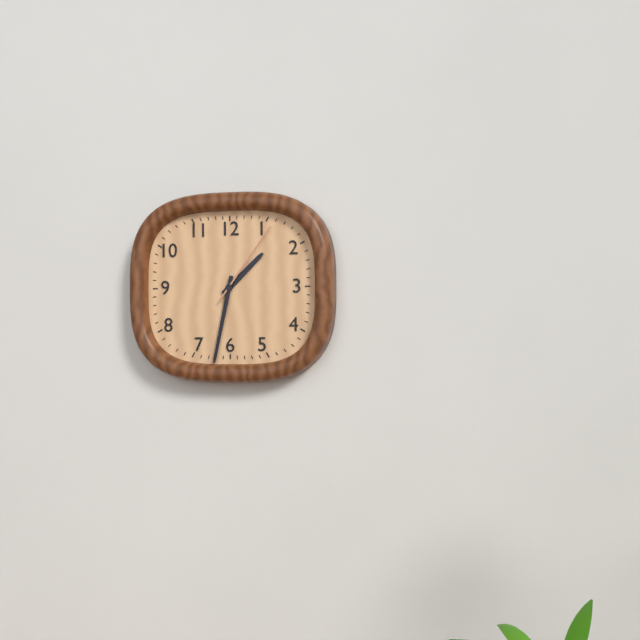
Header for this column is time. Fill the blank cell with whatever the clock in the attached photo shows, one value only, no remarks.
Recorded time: 1:32:06
